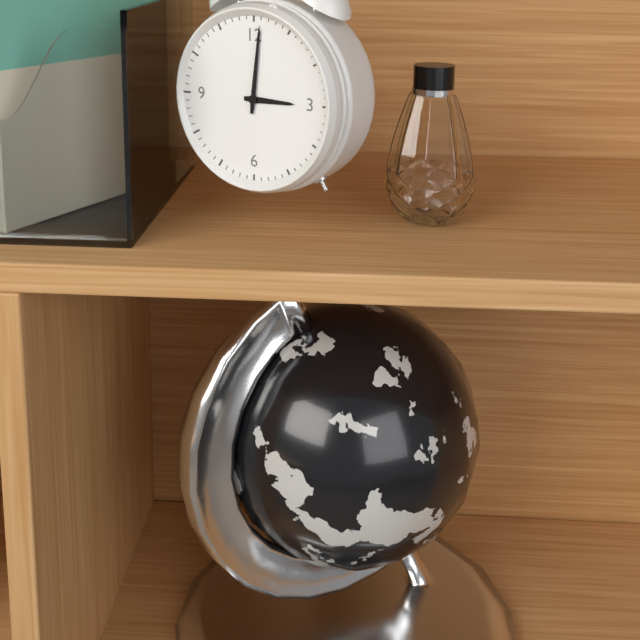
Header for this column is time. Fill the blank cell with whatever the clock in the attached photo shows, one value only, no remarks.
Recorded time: 3:01
